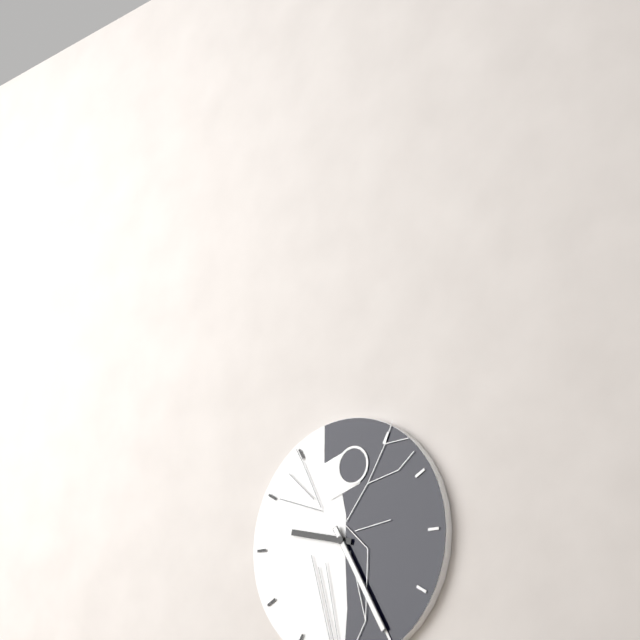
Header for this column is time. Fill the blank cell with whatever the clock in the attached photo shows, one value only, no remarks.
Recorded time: 9:25
